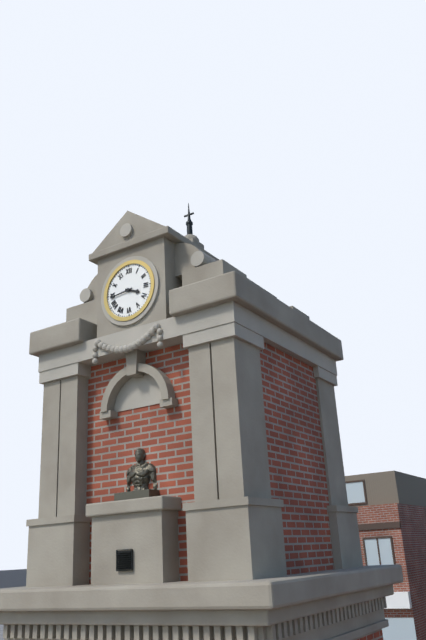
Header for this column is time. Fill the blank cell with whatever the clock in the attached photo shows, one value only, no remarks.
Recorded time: 3:44
